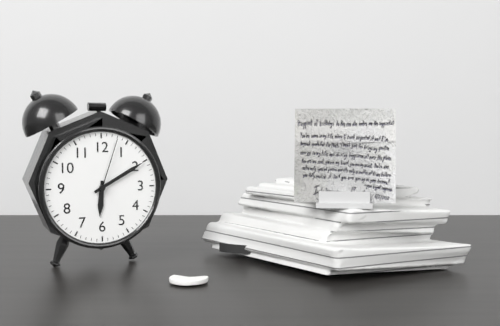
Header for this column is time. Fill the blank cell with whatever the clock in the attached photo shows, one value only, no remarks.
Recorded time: 6:10:03
